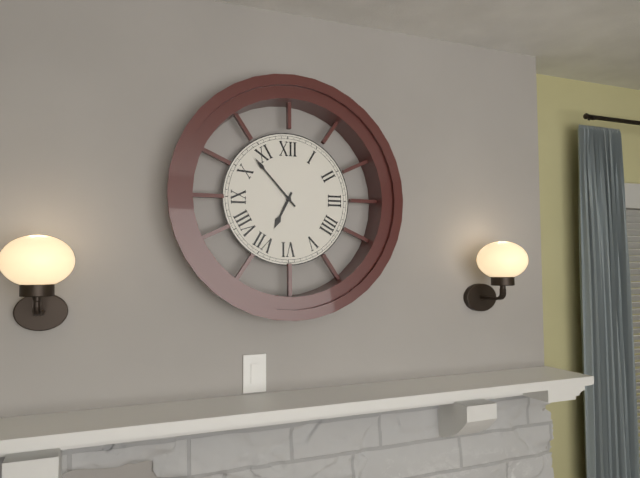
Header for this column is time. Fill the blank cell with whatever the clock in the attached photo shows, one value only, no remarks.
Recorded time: 6:53
